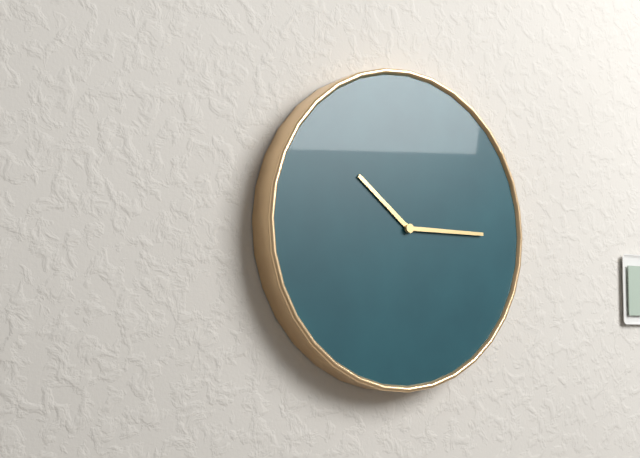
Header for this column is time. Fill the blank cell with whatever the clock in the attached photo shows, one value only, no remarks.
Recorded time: 10:15
